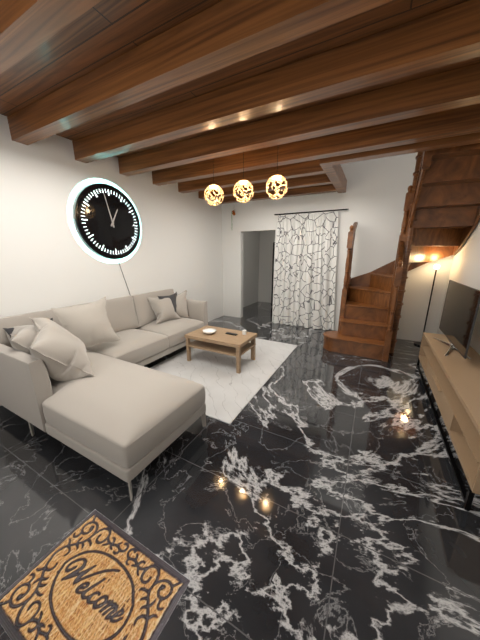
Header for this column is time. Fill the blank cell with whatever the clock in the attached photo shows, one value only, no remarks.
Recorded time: 12:58
